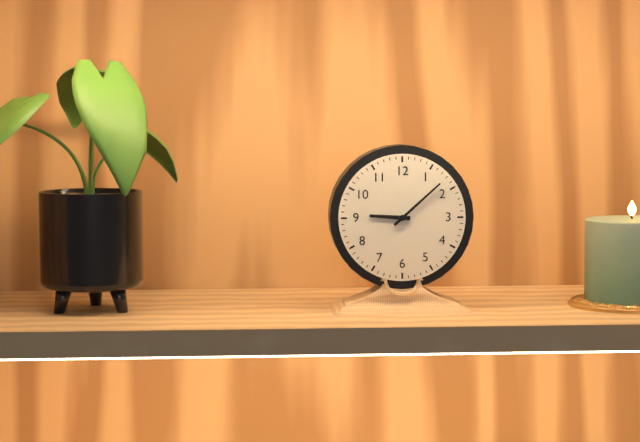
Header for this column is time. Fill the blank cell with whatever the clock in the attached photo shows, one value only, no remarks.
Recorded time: 9:08
